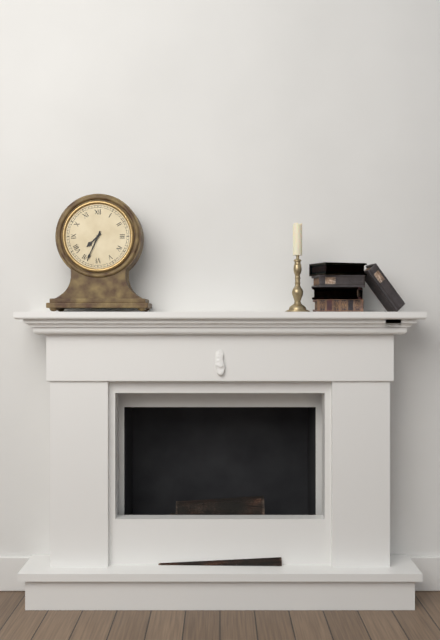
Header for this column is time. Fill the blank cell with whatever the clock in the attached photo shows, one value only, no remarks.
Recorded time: 7:34
